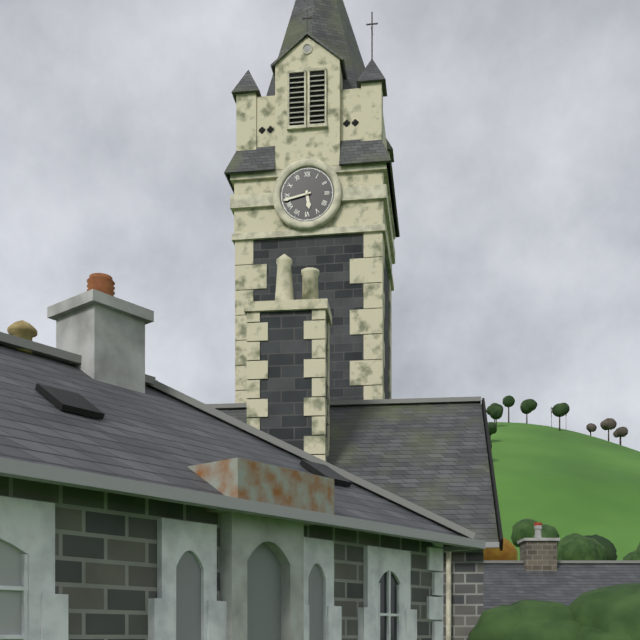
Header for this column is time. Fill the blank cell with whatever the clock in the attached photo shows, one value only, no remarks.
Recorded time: 5:43
